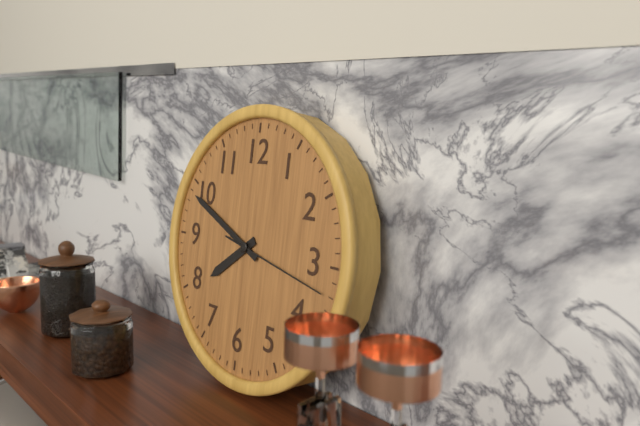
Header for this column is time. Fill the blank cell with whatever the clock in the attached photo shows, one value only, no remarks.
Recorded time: 7:49:17
